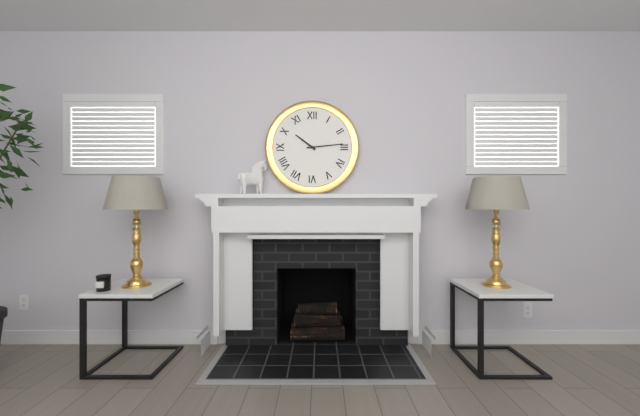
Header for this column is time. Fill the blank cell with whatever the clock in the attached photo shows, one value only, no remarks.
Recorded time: 10:14
